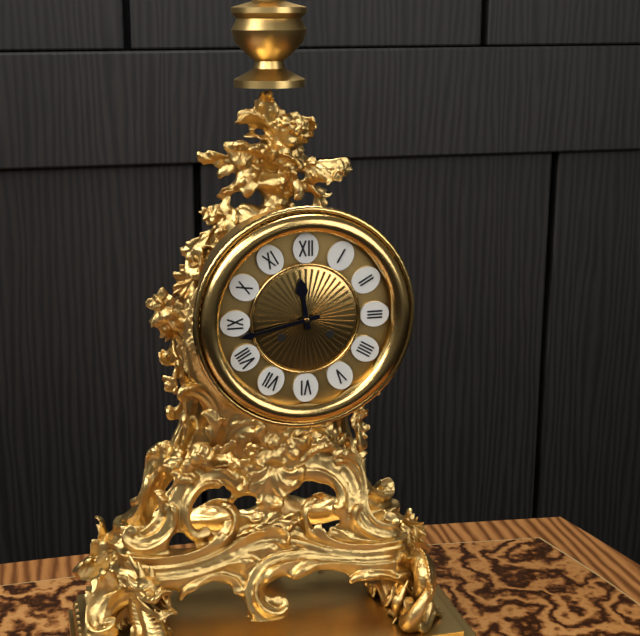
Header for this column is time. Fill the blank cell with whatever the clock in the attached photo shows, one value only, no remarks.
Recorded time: 11:43
